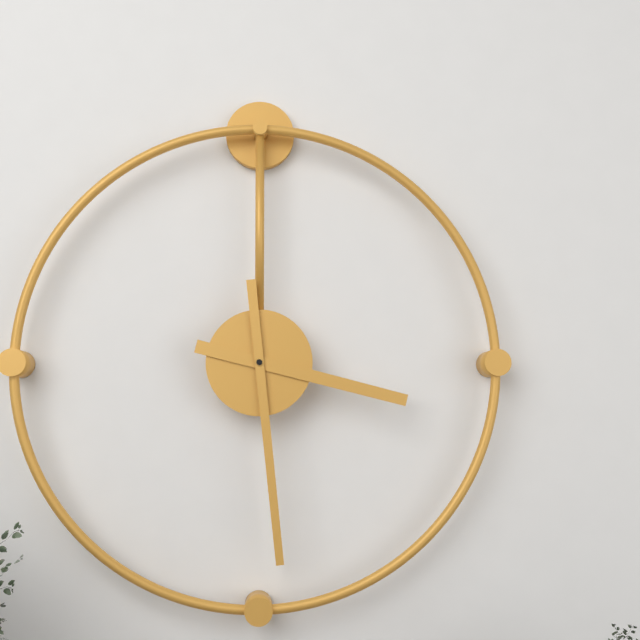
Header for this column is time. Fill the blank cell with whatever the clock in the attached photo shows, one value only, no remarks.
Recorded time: 3:29
